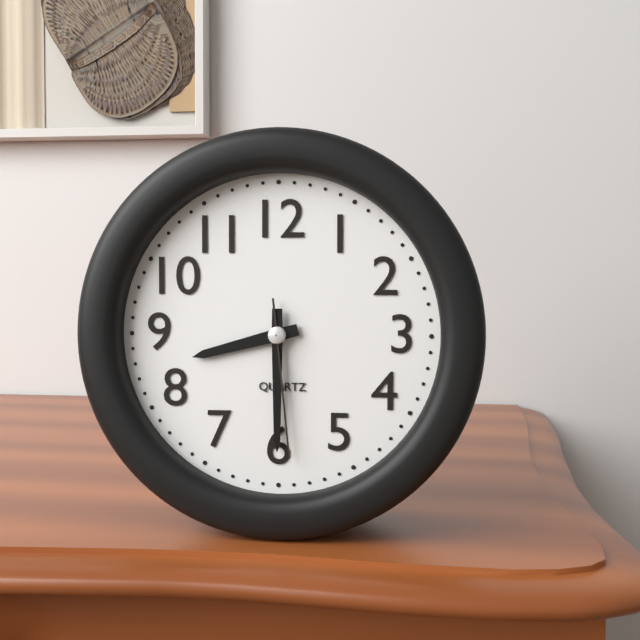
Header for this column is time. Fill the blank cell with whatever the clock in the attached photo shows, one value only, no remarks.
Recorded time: 8:30:29
